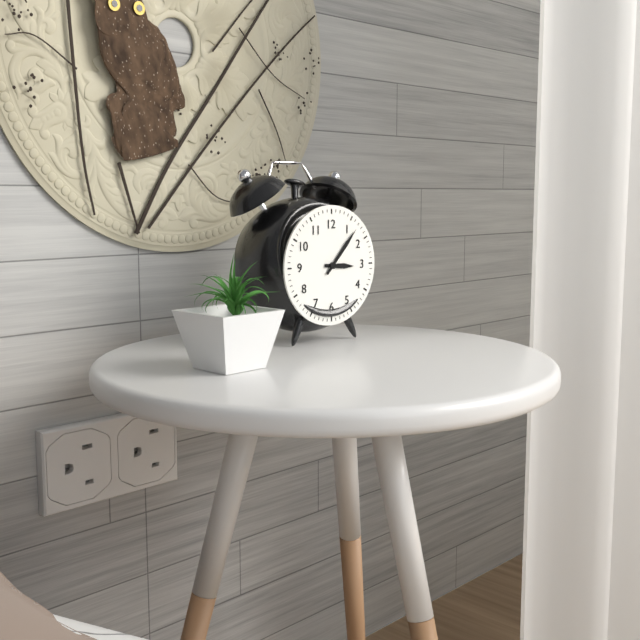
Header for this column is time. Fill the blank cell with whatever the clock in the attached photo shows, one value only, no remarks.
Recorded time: 3:07
